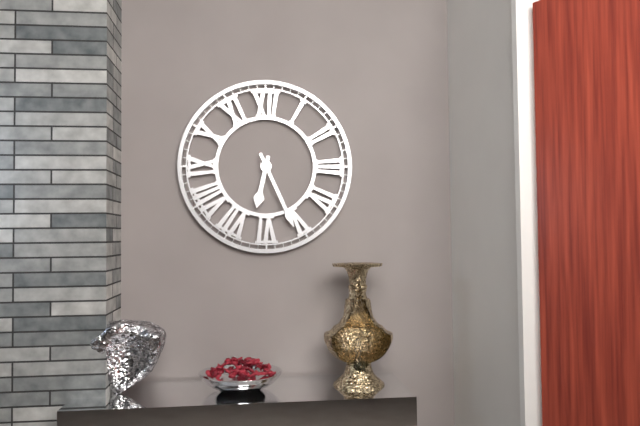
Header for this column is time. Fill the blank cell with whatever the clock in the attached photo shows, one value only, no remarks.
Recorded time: 6:26
